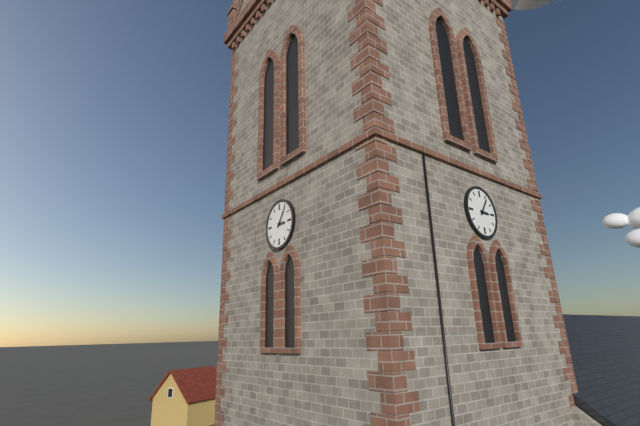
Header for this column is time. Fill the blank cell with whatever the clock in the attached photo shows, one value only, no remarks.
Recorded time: 3:06
